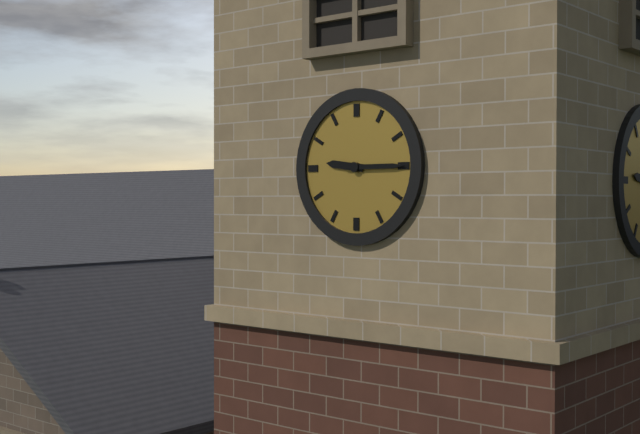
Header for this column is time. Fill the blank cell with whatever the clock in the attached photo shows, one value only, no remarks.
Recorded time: 9:15
